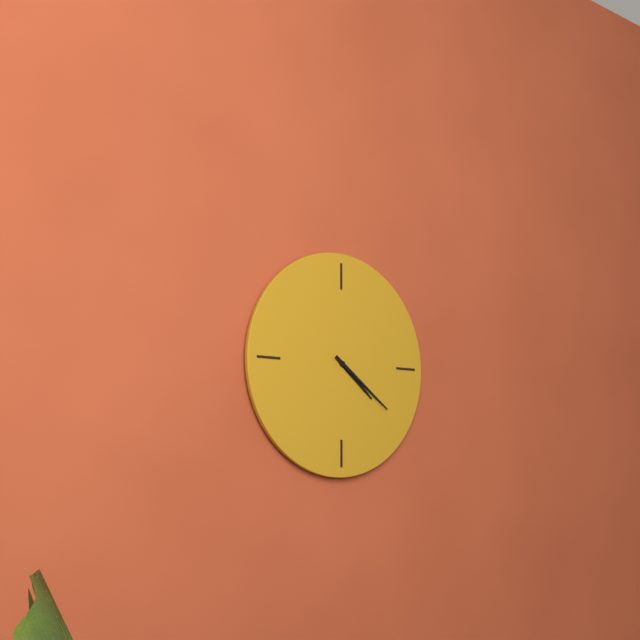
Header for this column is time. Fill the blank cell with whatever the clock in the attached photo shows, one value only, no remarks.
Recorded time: 4:21
